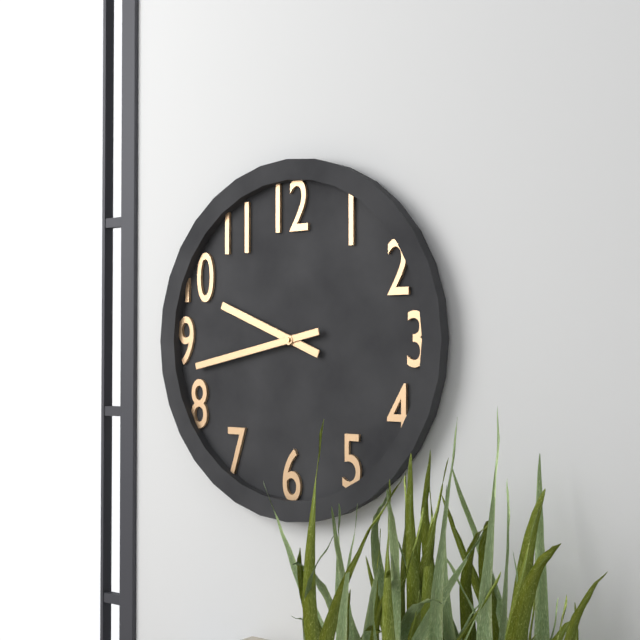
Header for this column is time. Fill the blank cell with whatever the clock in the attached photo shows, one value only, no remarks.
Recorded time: 9:43
